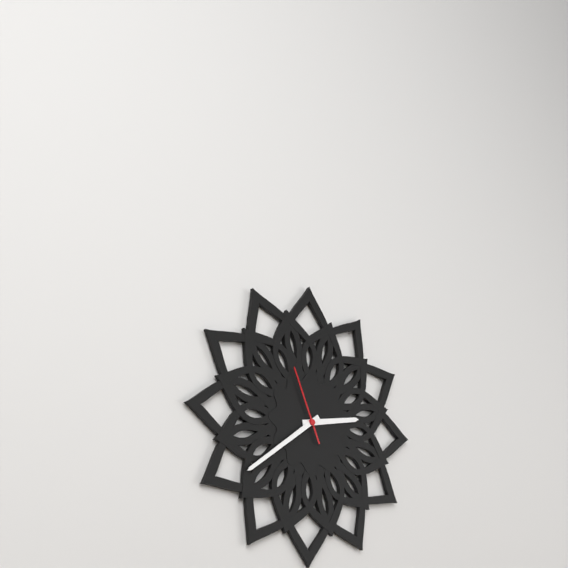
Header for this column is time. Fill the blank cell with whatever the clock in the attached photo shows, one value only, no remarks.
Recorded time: 2:39:56
